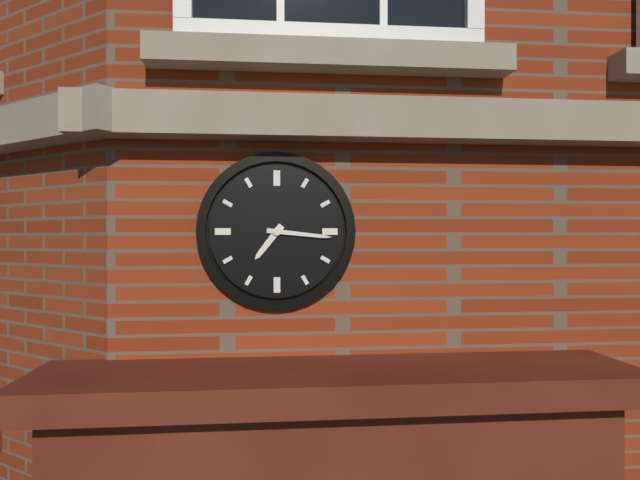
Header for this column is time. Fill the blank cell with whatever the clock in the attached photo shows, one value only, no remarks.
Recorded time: 7:16
